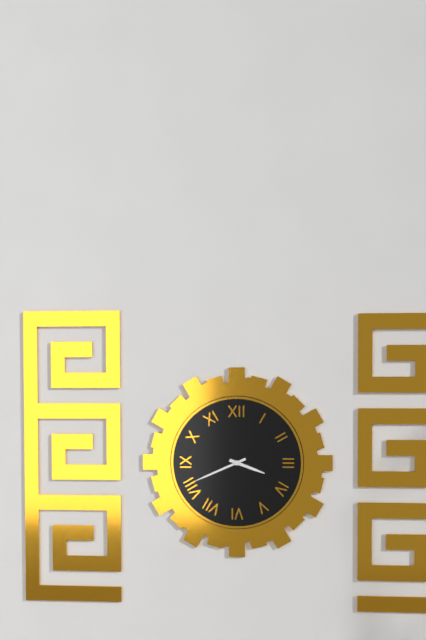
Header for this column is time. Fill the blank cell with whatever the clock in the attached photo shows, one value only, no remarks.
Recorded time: 3:41
